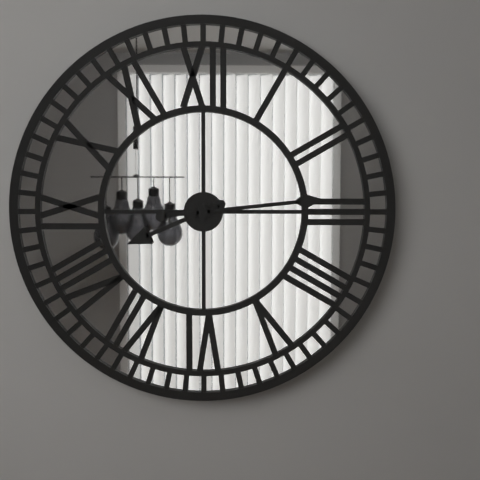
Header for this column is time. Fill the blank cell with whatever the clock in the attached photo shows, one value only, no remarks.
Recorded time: 8:14
